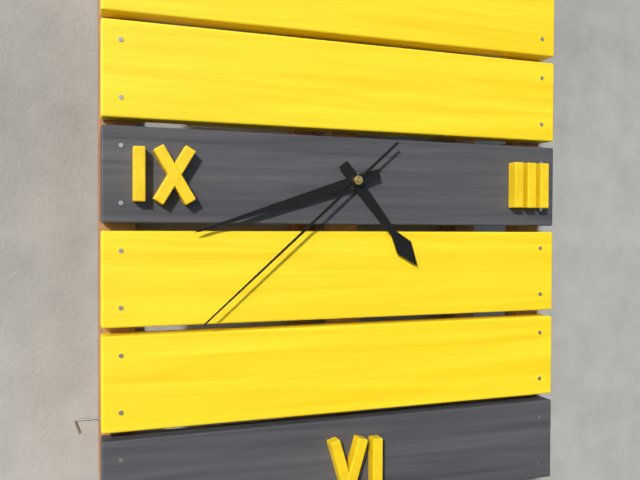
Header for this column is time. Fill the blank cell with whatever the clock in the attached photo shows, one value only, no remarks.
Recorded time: 4:42:38
